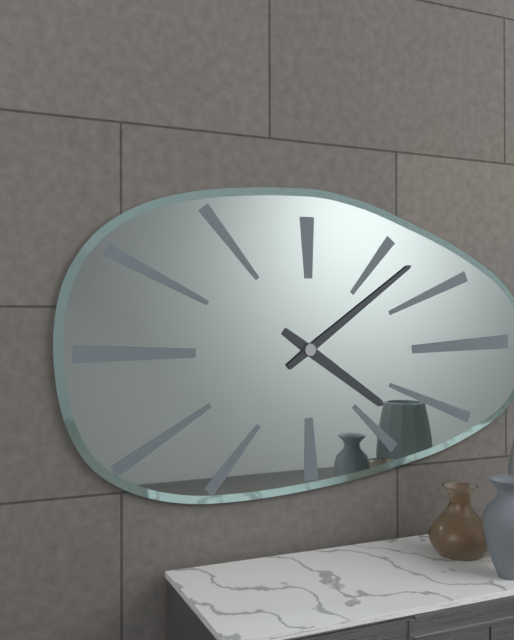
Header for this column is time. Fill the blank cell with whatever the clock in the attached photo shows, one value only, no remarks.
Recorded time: 4:09
